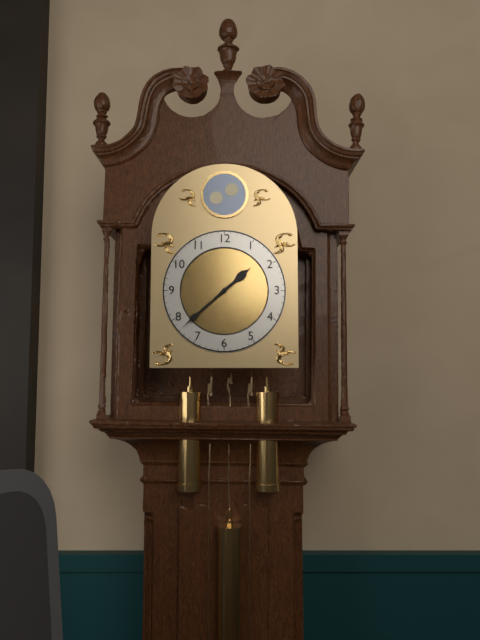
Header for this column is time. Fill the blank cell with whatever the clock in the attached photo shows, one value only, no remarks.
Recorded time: 1:38
